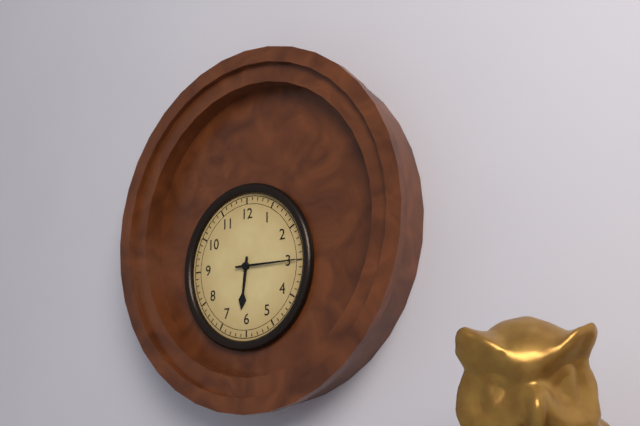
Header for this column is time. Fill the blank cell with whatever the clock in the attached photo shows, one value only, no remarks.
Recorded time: 6:15
